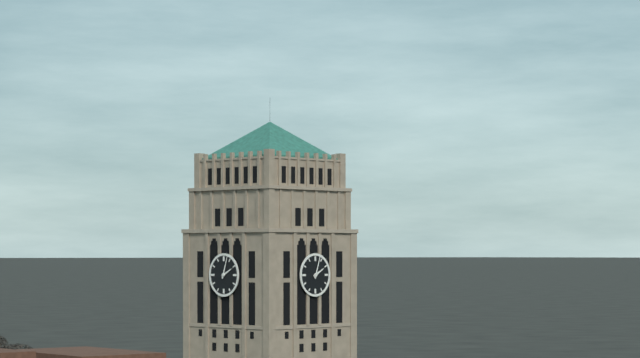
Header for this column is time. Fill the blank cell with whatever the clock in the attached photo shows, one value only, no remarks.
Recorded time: 2:03
